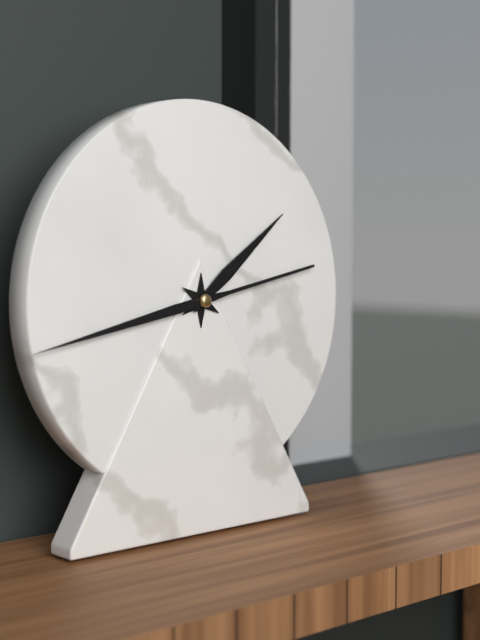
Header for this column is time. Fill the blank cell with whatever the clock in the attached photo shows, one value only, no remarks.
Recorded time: 1:43
